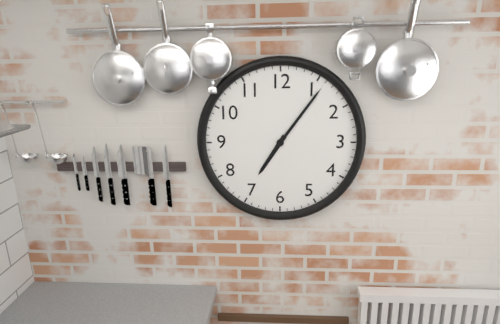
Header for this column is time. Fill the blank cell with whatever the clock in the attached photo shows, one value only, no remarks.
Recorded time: 7:06
